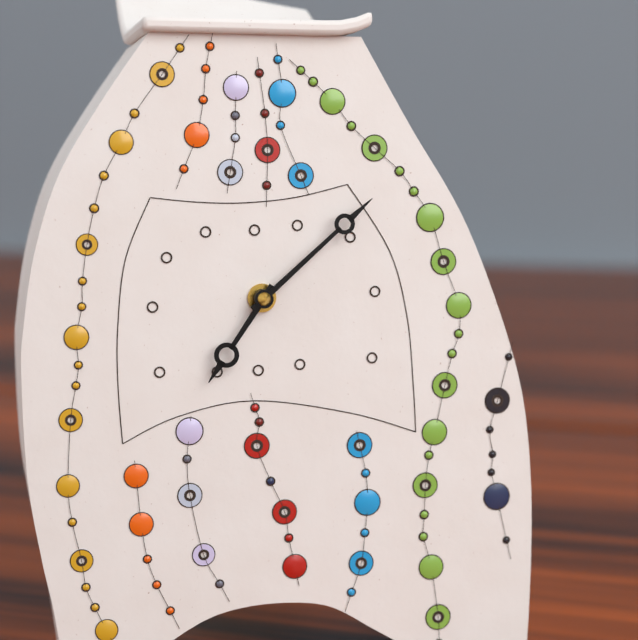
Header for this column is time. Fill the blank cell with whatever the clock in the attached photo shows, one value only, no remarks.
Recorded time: 7:08
